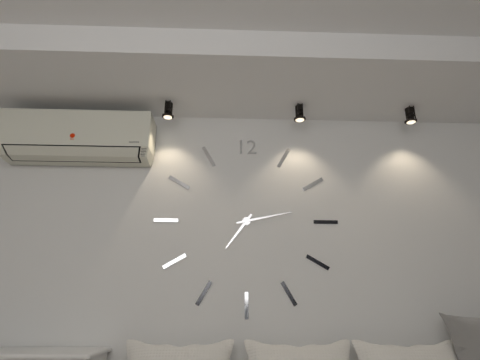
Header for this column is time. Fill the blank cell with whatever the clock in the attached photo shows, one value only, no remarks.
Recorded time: 7:13
